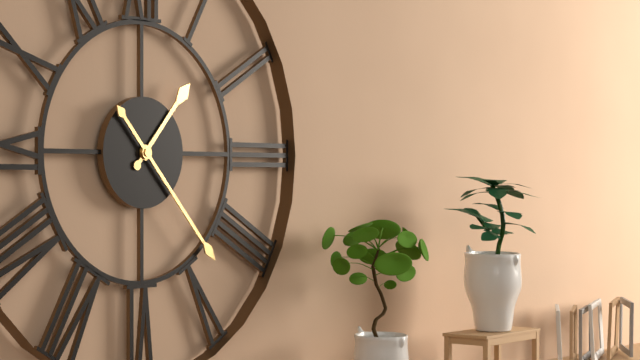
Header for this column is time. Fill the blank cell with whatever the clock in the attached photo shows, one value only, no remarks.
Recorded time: 1:23
